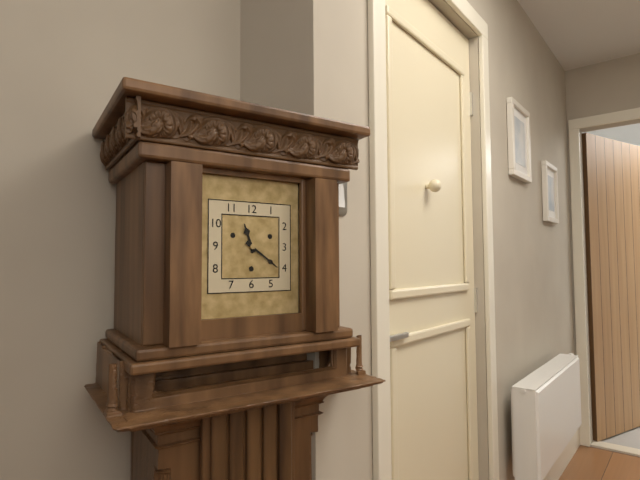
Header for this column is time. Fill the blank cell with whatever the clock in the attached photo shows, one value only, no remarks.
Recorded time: 11:21
